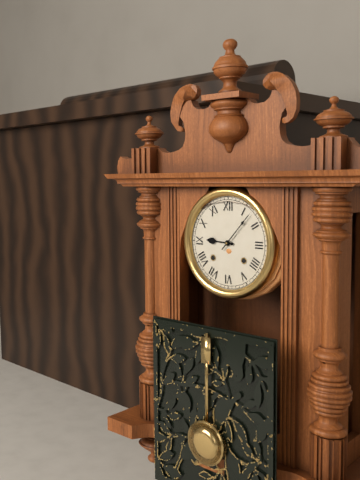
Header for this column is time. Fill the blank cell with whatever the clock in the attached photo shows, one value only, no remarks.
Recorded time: 9:07
